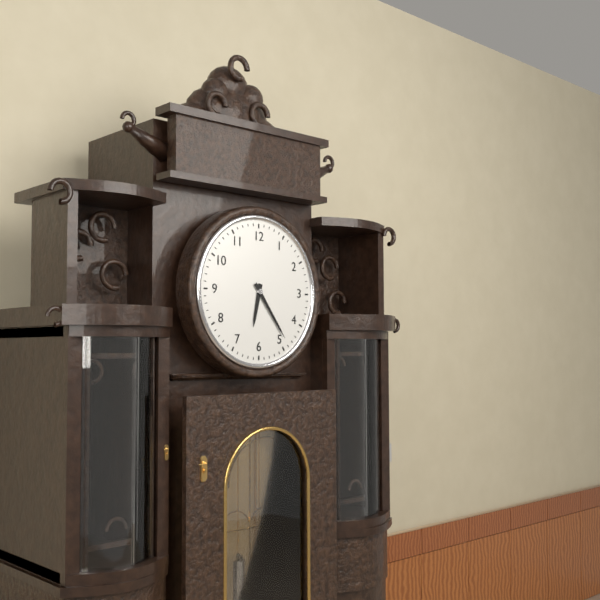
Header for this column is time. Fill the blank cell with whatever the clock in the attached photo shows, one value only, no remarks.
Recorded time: 6:24
